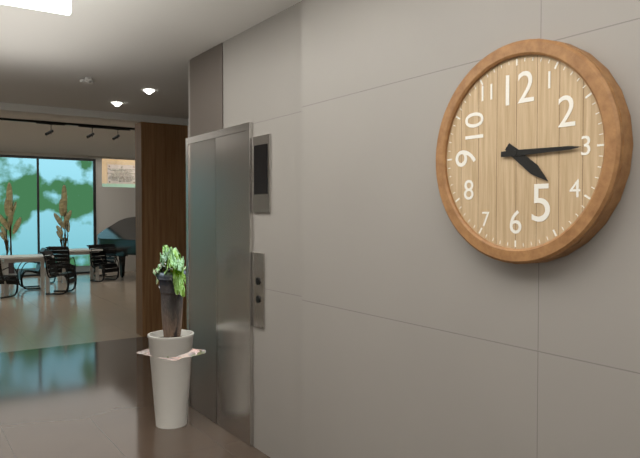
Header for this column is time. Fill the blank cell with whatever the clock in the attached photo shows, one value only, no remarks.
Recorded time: 4:15
